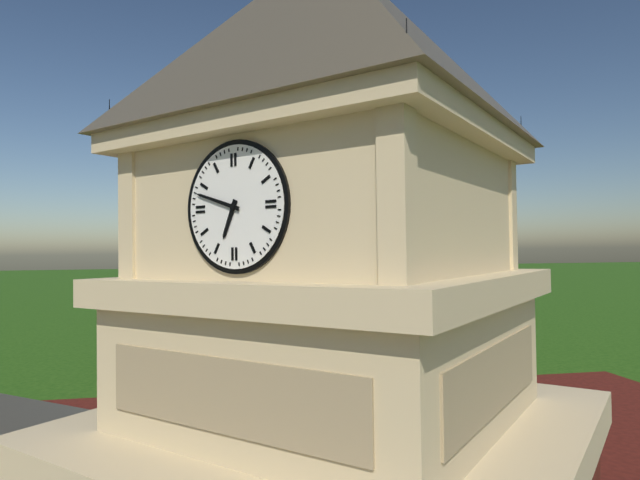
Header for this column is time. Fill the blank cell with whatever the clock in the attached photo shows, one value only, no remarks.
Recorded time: 6:48
